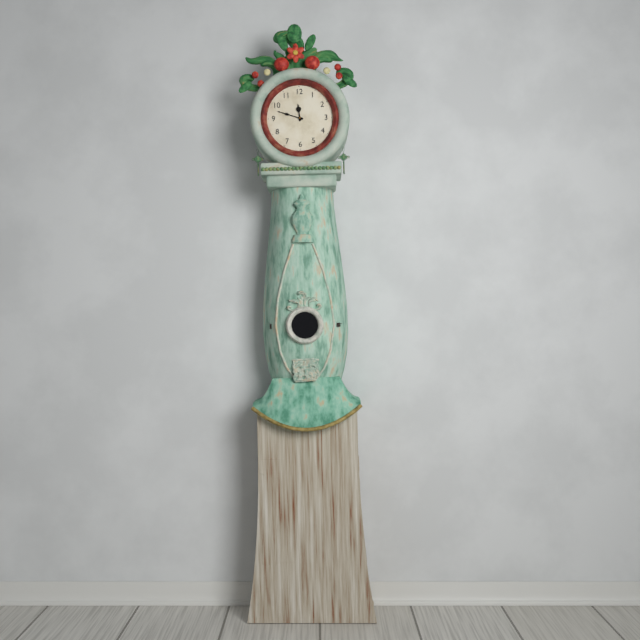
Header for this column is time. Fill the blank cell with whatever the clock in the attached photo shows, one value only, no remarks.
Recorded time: 11:48
